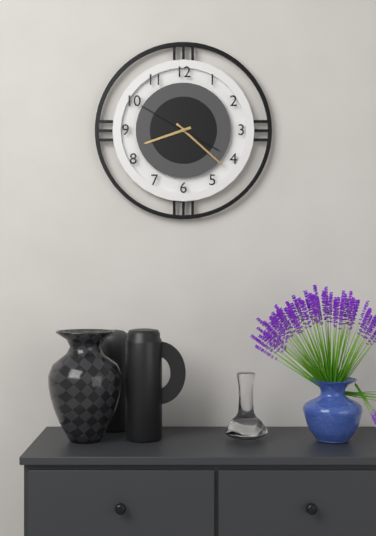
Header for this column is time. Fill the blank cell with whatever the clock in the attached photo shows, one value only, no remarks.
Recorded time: 8:22:50
